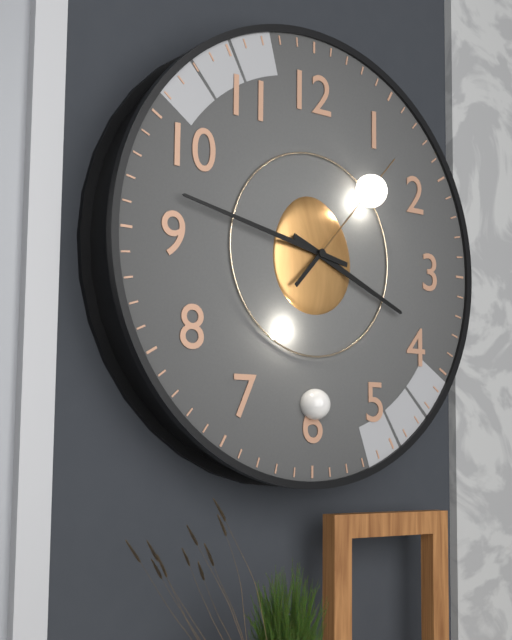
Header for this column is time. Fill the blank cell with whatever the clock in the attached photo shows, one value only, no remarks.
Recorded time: 3:47:07
